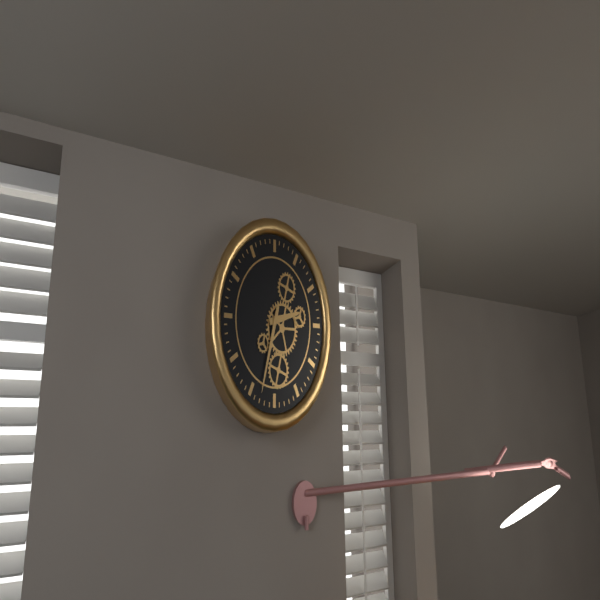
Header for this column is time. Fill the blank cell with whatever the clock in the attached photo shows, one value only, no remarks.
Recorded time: 2:33
